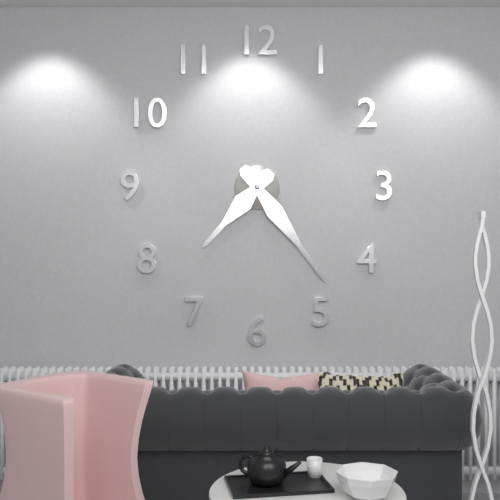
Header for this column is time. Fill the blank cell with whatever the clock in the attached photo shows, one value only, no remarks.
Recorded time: 7:24
